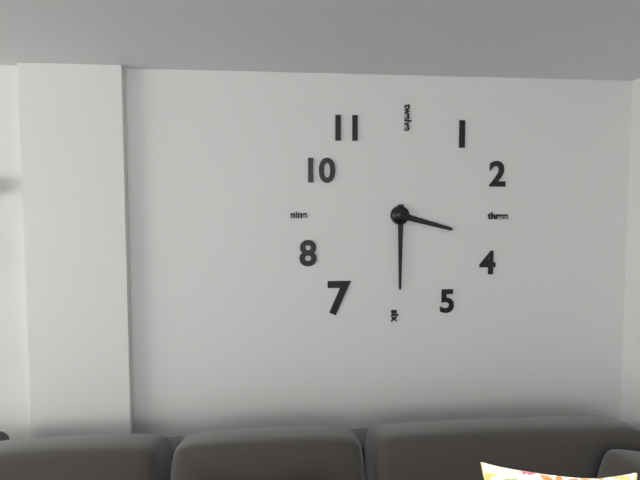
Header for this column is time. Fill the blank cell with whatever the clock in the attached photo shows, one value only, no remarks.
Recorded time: 3:30
